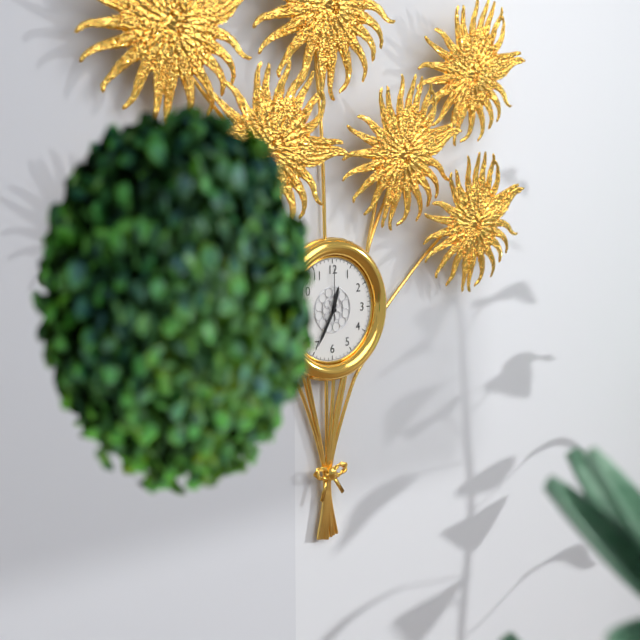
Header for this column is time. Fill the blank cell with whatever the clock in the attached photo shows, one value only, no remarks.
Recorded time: 12:35:00
